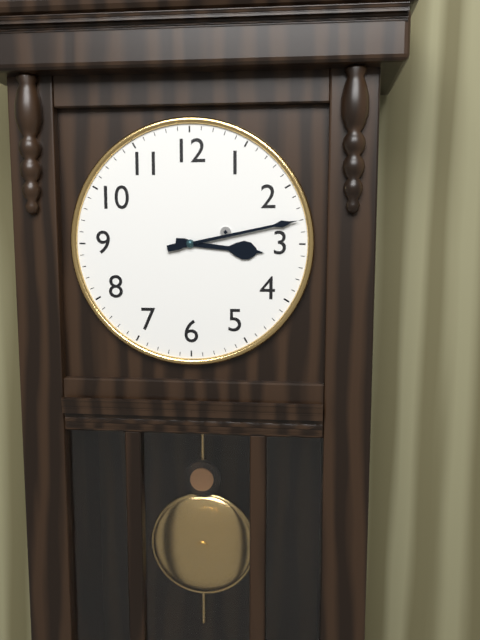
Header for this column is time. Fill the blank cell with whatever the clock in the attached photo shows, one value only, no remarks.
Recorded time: 3:13
